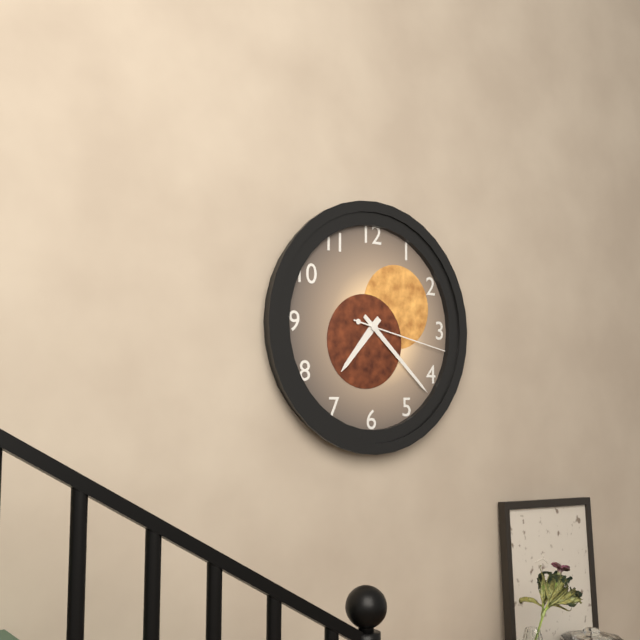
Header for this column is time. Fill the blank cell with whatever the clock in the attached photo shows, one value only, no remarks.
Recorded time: 7:22:17
